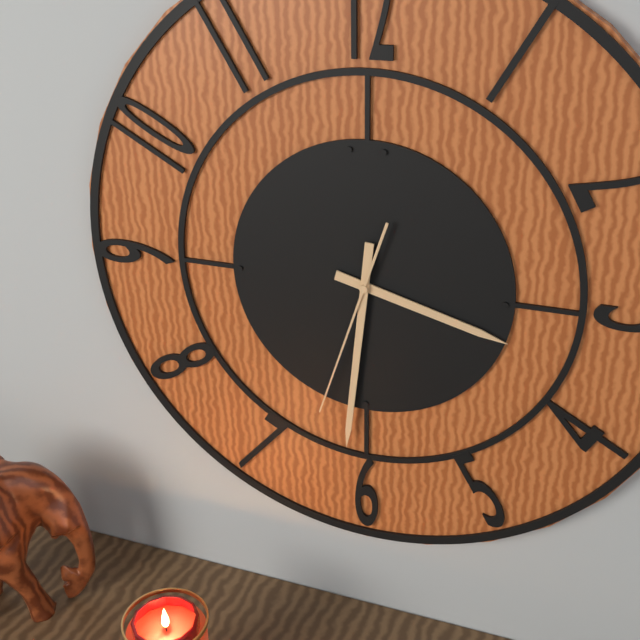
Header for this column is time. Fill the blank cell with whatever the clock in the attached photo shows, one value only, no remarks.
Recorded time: 3:31:33
